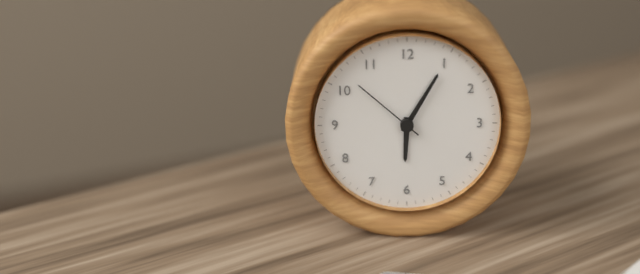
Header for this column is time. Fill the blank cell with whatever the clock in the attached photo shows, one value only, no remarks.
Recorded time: 6:05:52
